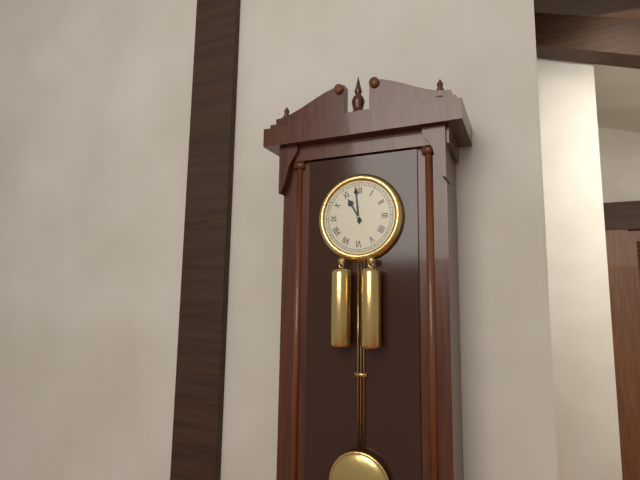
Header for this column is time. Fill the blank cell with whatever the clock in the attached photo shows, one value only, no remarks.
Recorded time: 10:59
